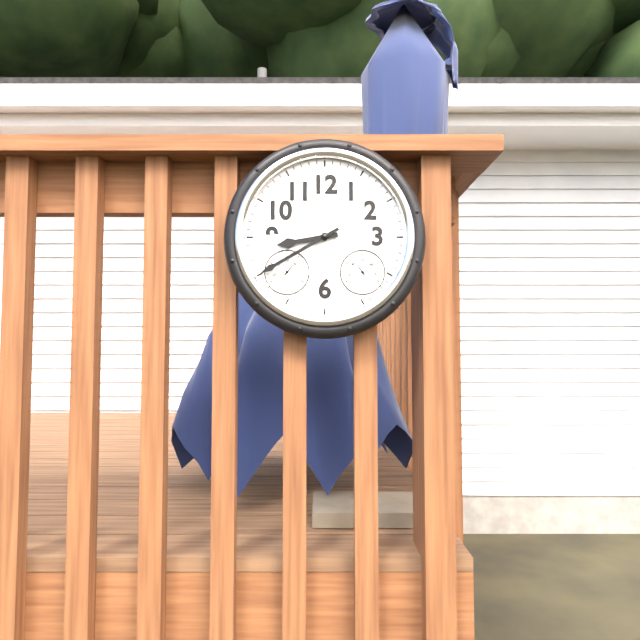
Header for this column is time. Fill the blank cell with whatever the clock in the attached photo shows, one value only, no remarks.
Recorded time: 8:40
